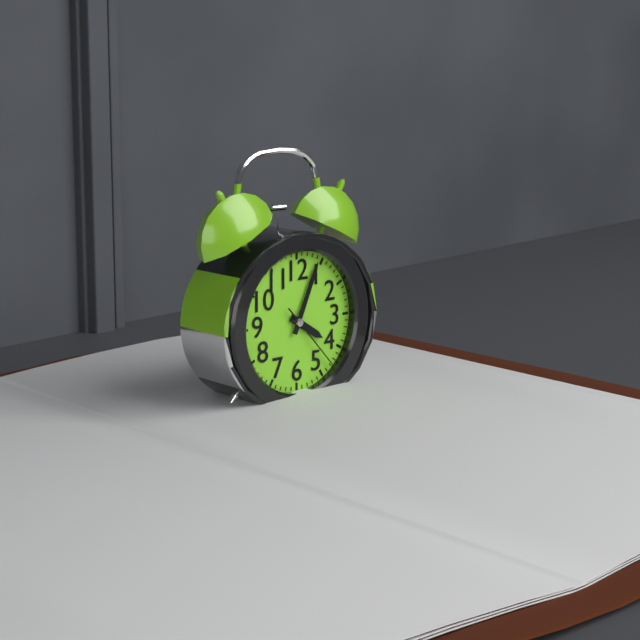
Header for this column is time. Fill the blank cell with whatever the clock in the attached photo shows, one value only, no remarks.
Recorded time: 4:04:23
